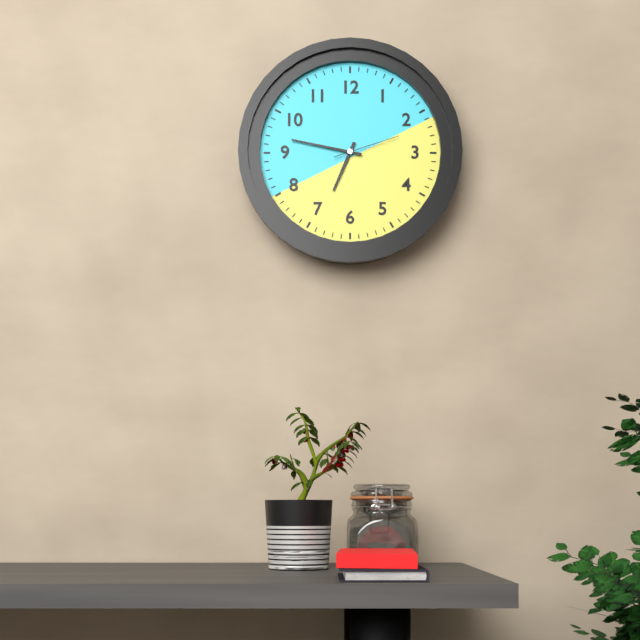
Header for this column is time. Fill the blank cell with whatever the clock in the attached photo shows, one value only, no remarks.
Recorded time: 6:47:12
